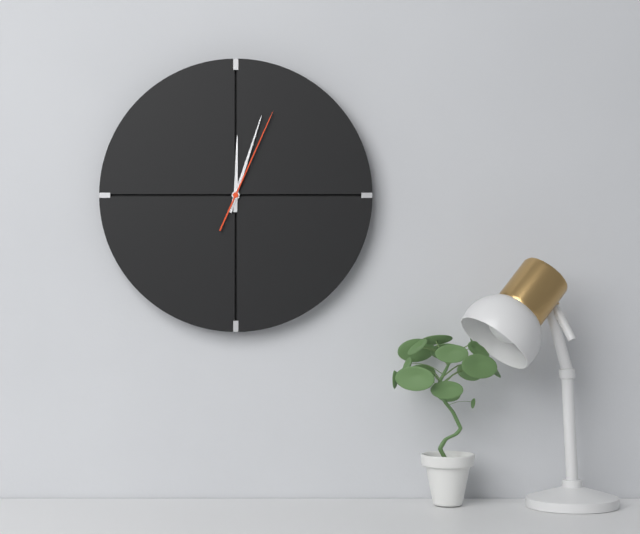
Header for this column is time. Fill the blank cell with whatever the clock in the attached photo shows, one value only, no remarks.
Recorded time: 12:03:04
